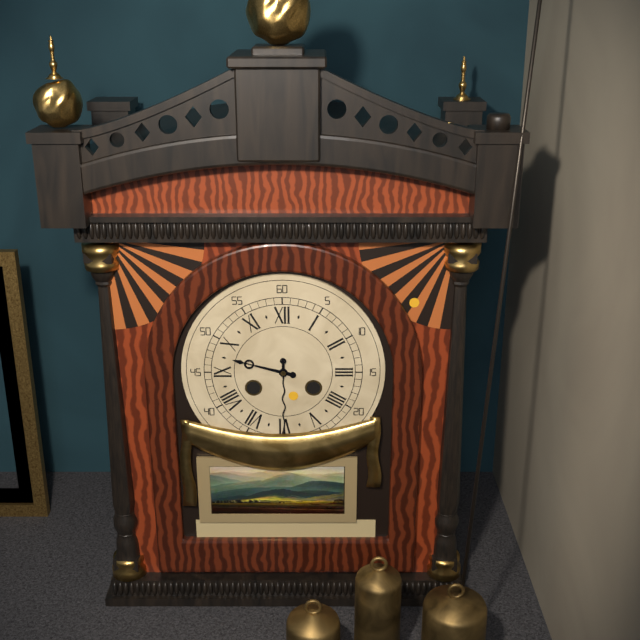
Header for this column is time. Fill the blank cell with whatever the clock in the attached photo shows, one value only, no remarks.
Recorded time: 9:30
